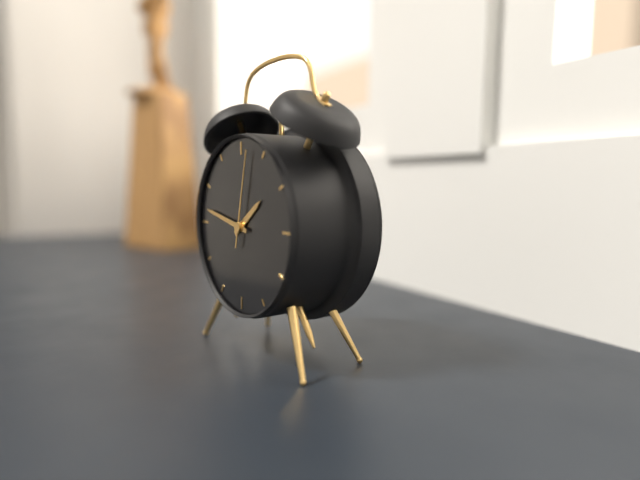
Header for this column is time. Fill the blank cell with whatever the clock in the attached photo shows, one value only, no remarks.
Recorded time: 1:47:02
